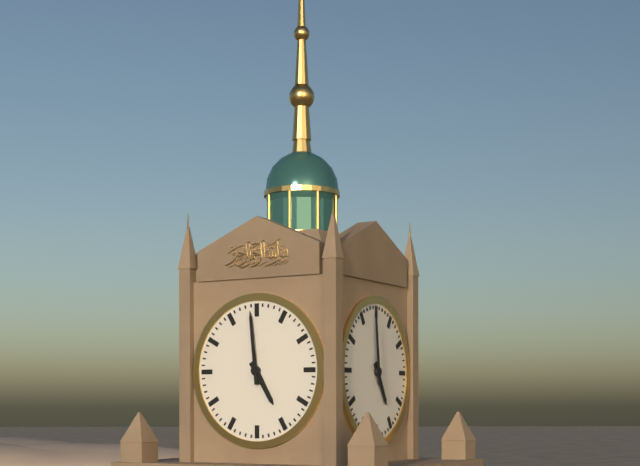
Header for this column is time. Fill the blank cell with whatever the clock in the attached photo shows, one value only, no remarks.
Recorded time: 4:59
